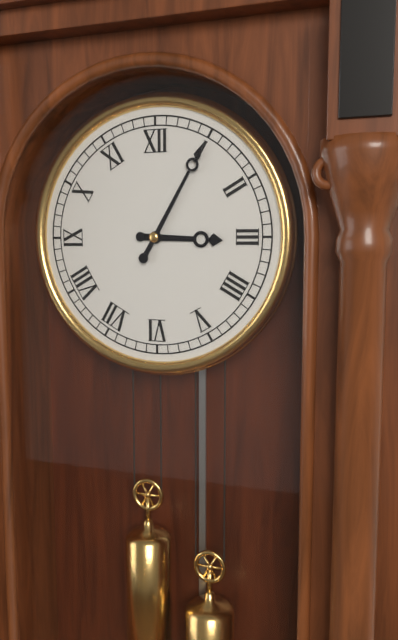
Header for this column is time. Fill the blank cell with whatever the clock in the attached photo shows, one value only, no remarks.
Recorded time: 3:05
